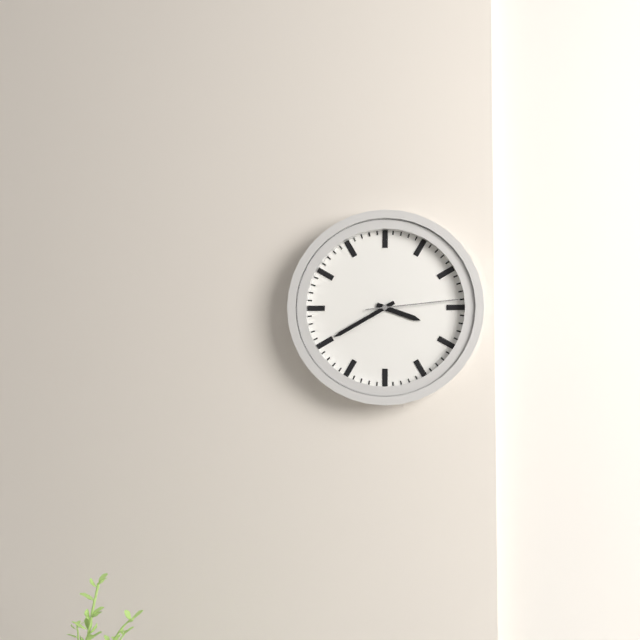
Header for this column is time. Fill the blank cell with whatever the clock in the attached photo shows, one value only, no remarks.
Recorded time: 3:40:14
